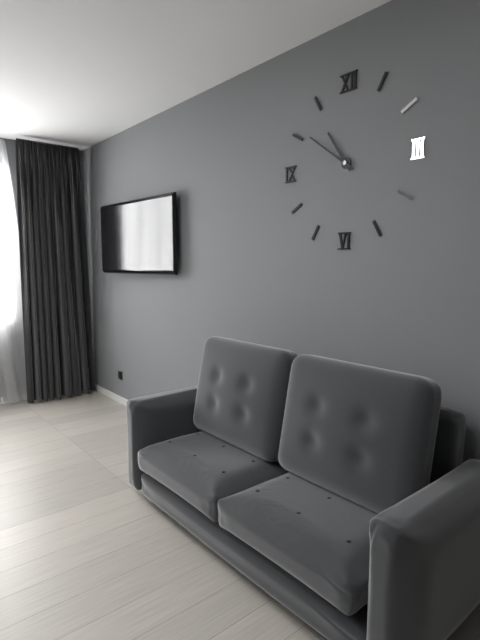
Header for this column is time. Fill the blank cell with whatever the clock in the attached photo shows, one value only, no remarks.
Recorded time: 10:51
